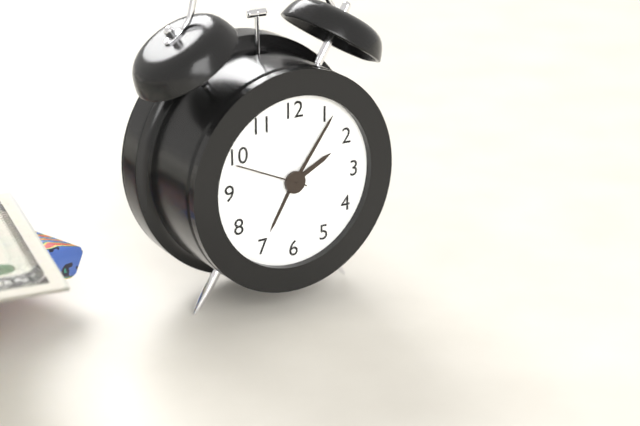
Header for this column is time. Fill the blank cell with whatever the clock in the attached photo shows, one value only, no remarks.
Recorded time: 2:06:49
